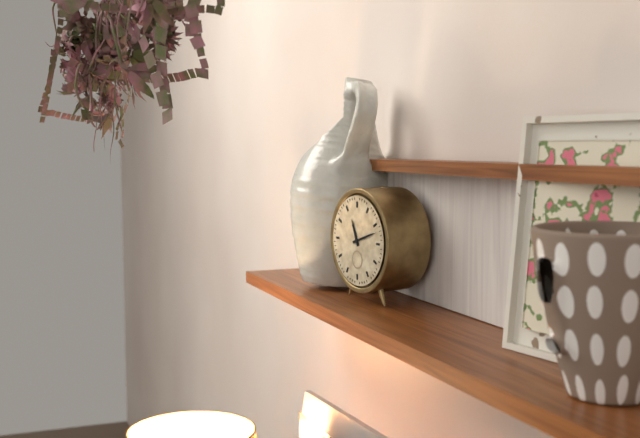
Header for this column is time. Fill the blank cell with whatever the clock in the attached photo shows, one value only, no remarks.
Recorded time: 11:12
